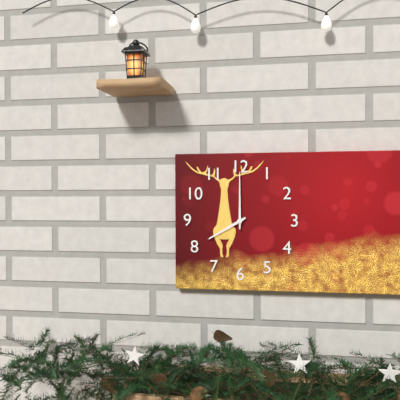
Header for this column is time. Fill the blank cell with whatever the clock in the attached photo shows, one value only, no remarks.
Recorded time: 8:00
